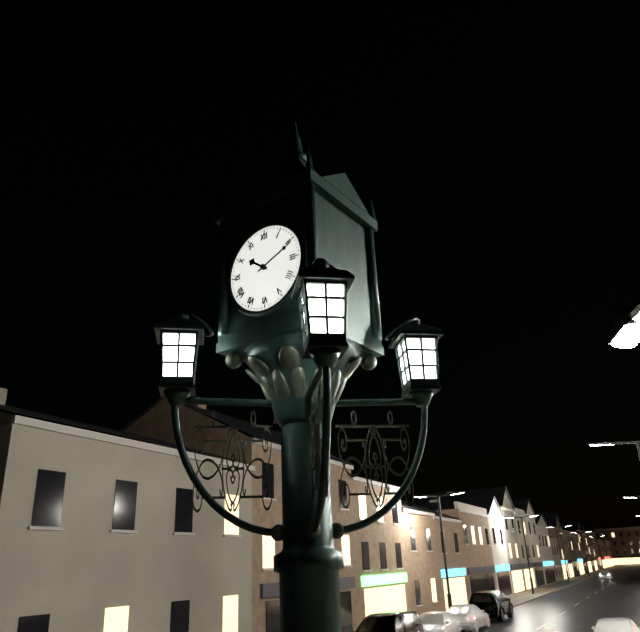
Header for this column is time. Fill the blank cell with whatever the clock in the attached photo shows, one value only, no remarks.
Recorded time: 10:11
